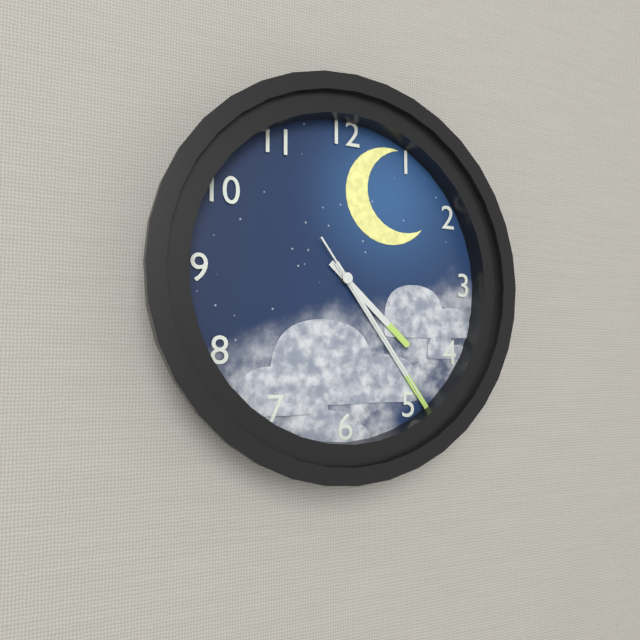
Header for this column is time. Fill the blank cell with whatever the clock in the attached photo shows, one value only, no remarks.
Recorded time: 4:24:24
